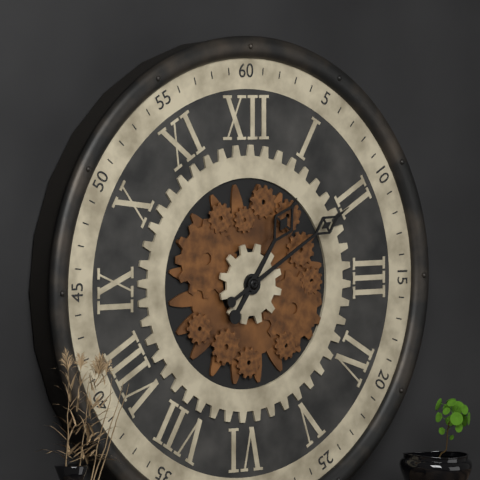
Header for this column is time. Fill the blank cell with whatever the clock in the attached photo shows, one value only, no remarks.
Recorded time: 1:10
